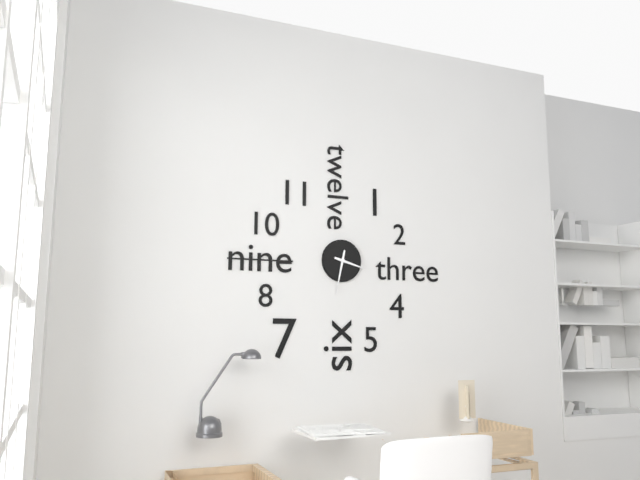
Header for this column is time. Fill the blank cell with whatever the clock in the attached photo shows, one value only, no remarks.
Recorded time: 3:32
